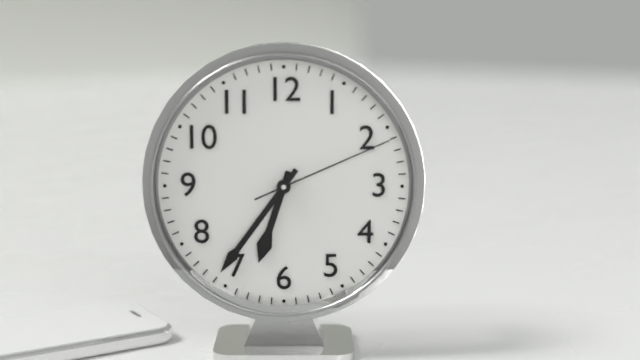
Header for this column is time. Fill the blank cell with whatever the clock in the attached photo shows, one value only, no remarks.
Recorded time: 6:36:11
